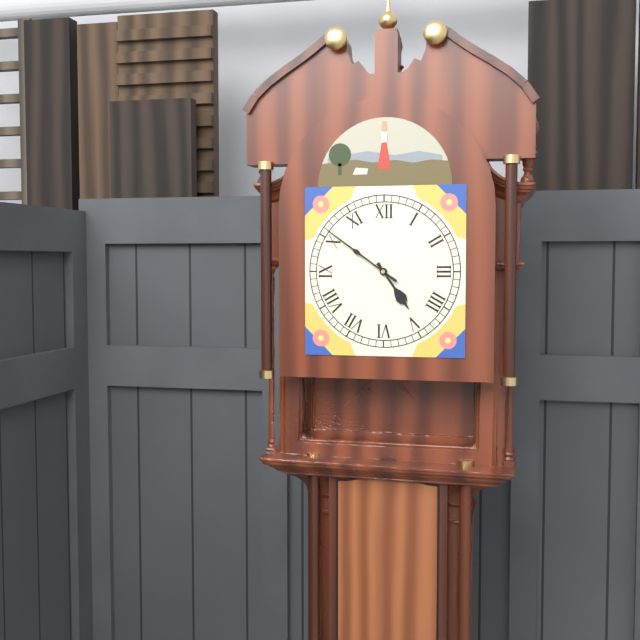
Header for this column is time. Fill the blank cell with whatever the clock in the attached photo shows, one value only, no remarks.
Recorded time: 4:51
